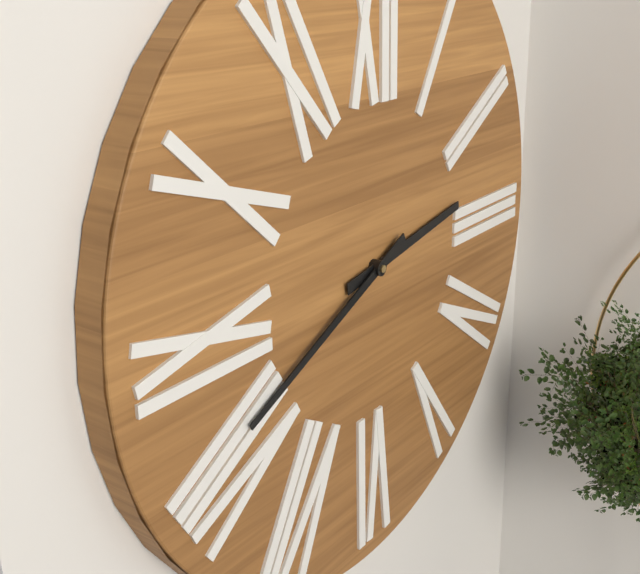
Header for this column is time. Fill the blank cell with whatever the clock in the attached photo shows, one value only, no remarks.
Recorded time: 2:41
